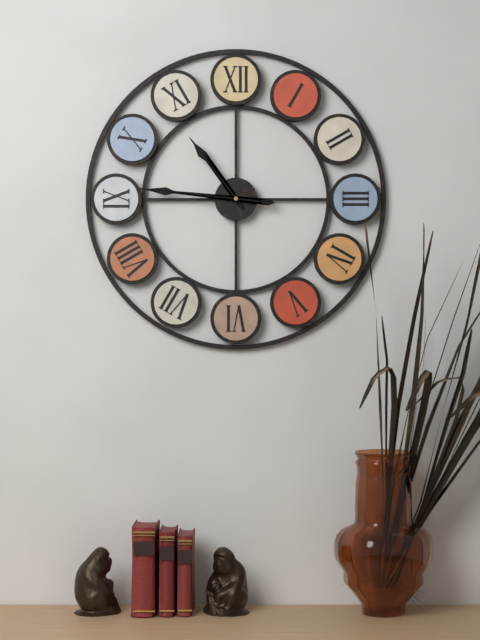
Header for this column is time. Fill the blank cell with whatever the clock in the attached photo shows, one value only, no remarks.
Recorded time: 10:46
